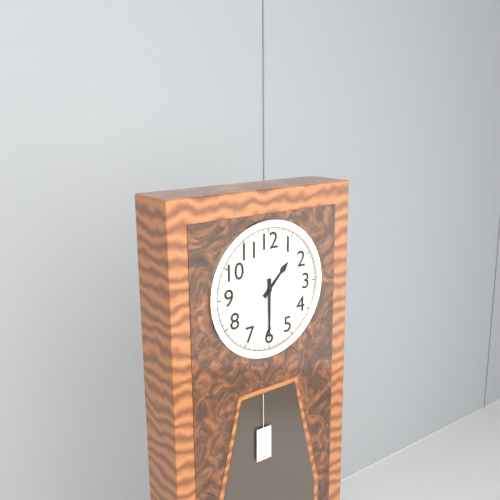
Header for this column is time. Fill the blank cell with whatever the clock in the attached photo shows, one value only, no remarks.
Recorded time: 1:30
